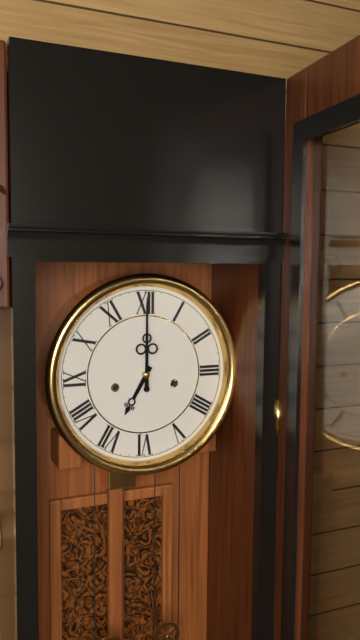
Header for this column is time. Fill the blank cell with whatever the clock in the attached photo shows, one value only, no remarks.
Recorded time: 7:00
